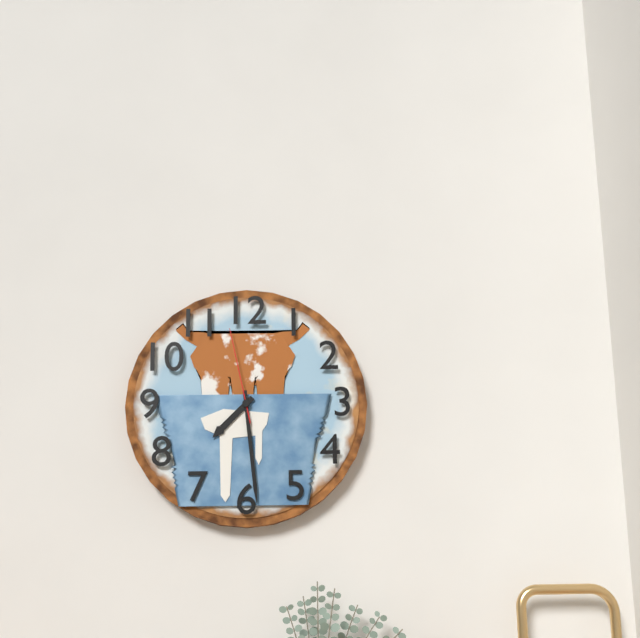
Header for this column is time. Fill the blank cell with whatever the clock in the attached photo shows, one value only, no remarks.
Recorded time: 7:29:58
